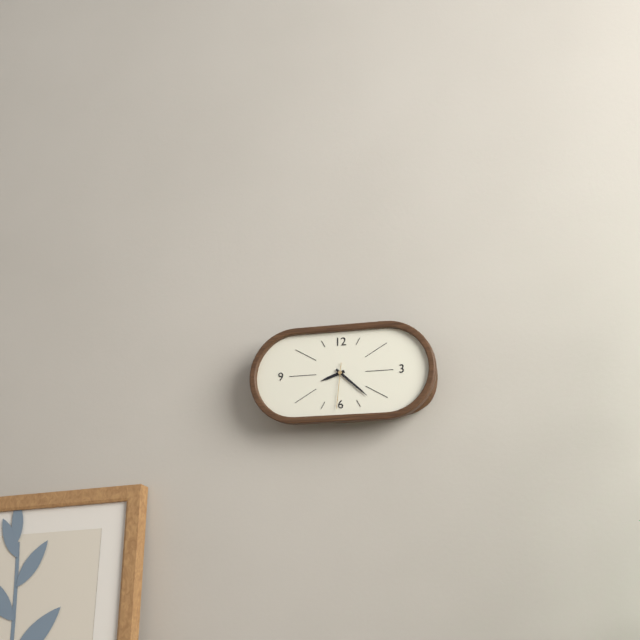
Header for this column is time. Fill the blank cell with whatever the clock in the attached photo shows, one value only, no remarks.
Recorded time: 8:22
